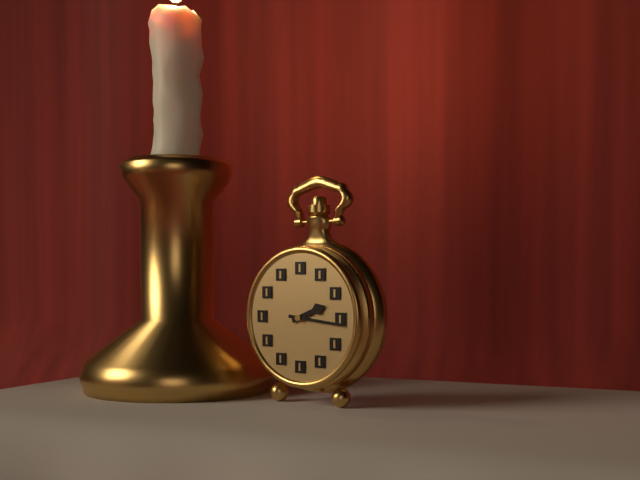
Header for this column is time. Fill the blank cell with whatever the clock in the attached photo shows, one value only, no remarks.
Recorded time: 2:16
